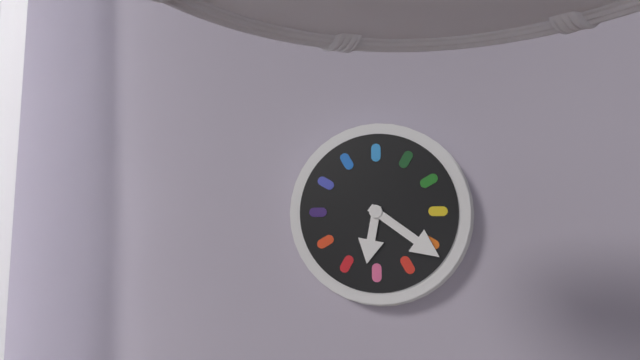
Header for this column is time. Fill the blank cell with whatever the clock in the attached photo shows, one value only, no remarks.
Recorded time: 6:21
